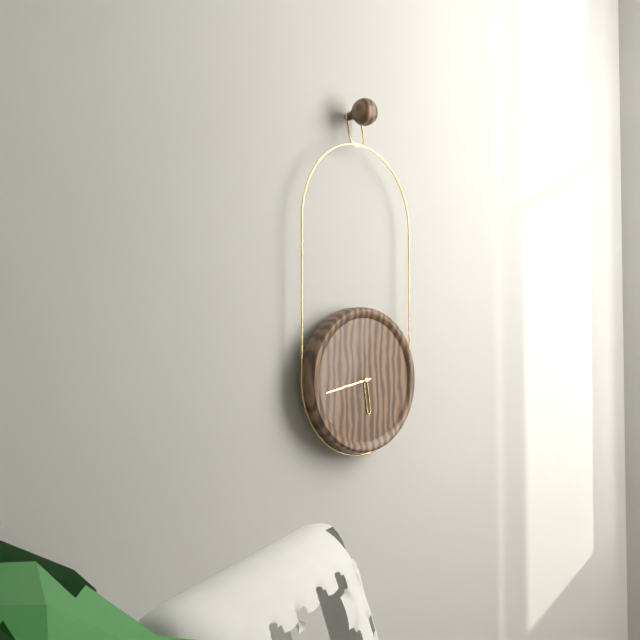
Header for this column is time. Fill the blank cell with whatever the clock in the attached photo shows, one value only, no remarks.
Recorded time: 5:43
